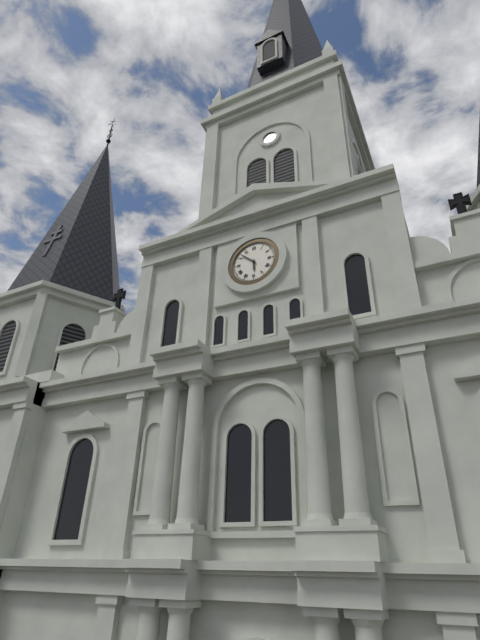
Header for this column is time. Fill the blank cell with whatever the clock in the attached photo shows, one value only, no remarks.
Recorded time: 5:52
